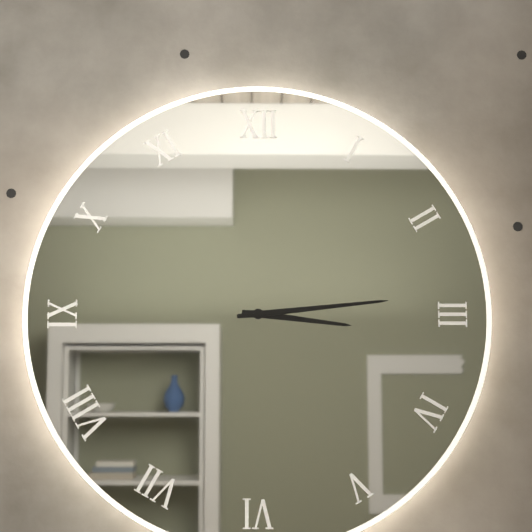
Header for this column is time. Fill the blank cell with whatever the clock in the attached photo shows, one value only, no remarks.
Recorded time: 3:14
